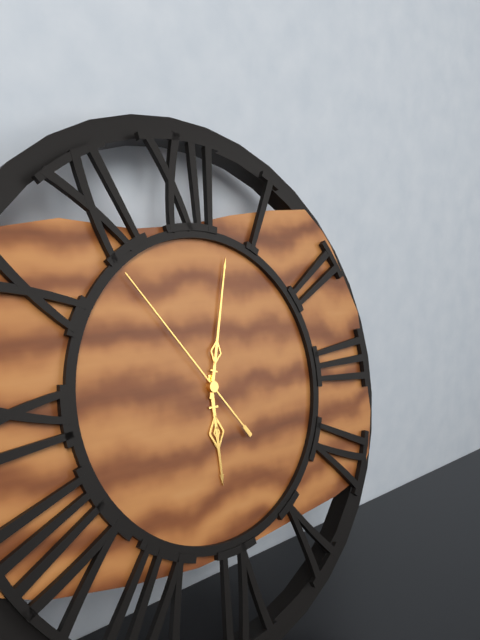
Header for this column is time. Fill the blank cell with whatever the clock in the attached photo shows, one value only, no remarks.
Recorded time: 6:03:54
